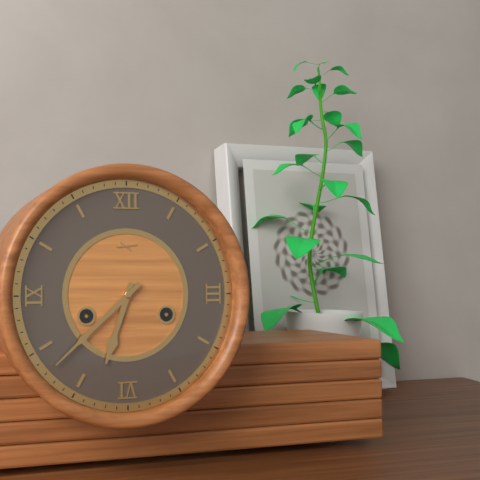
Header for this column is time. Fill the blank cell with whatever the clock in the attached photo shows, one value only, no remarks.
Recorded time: 6:38
